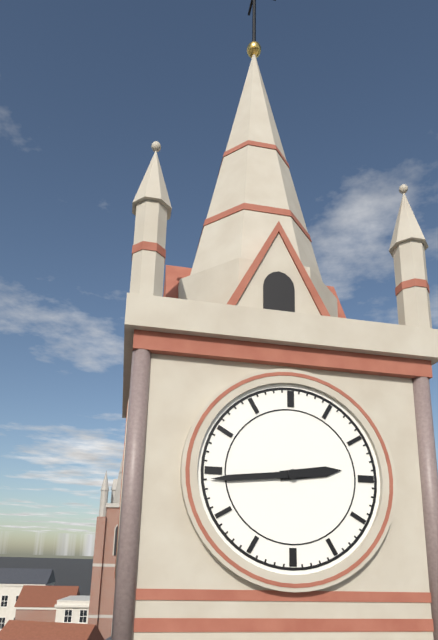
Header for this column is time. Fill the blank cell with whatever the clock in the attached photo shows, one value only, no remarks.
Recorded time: 2:44
